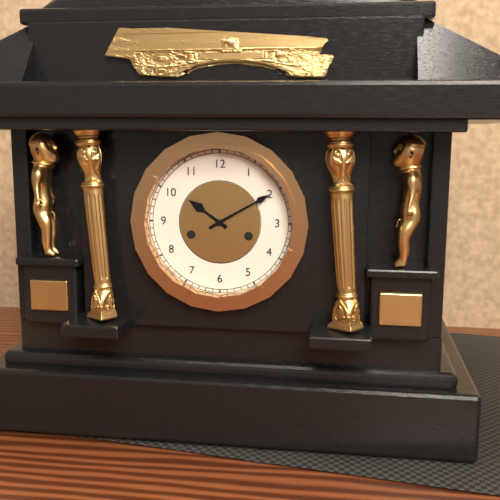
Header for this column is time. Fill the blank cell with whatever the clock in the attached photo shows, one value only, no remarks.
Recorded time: 10:10
